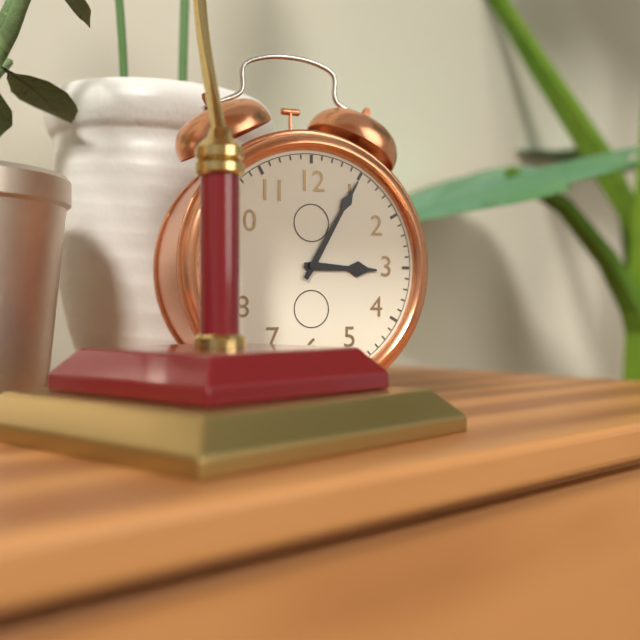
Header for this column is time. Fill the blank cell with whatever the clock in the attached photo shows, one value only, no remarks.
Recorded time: 3:05
